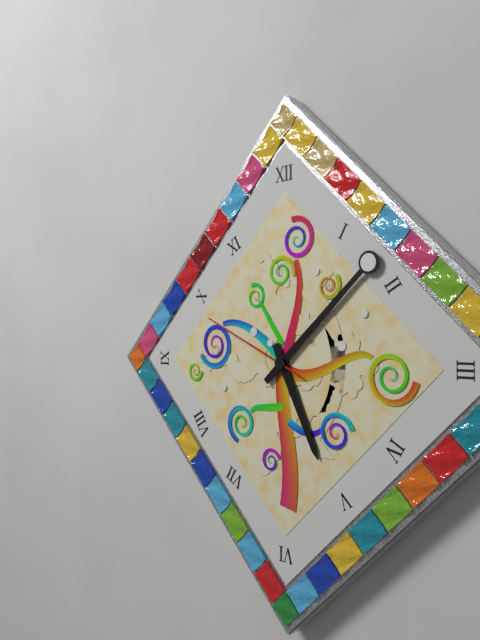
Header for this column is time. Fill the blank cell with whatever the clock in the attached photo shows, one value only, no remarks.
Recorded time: 5:08:49
